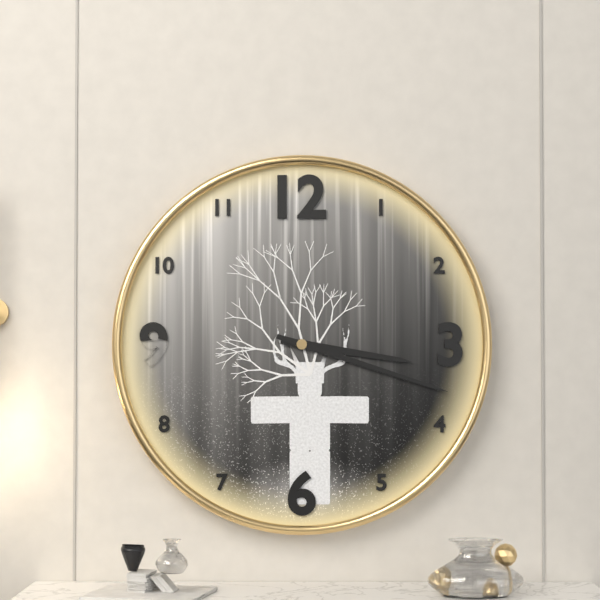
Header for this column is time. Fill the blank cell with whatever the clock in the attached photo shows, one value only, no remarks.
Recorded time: 3:18
